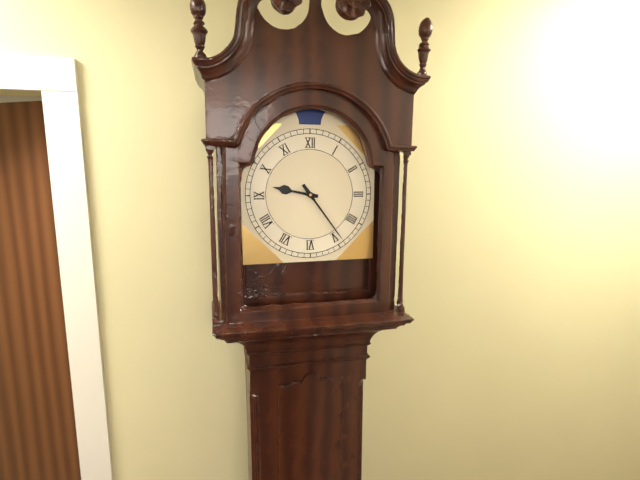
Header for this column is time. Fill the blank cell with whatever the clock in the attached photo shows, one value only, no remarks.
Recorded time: 9:24
